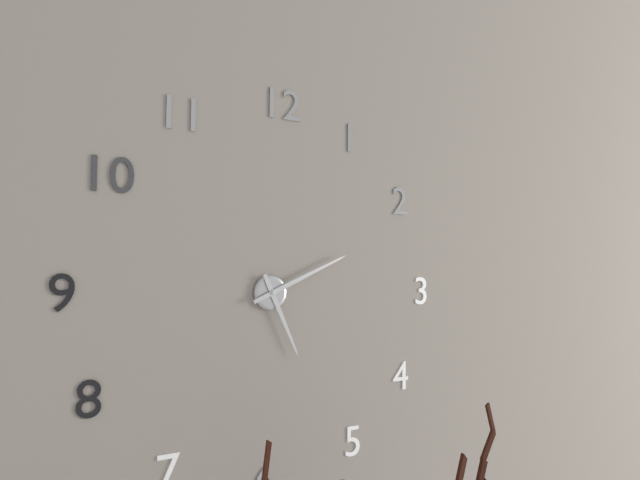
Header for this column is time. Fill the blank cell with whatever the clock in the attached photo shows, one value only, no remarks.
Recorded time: 5:11
